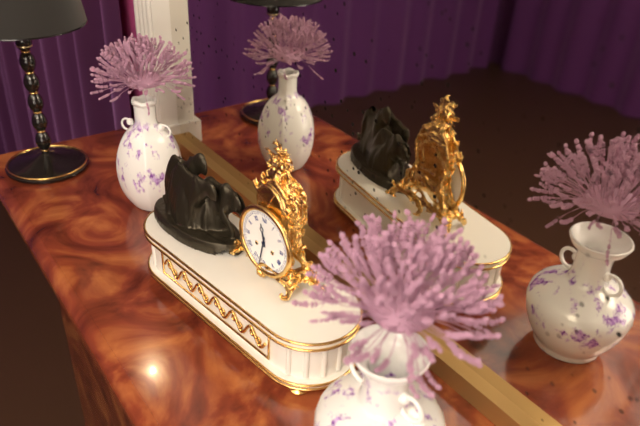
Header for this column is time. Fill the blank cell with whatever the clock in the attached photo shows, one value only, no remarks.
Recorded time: 11:32
